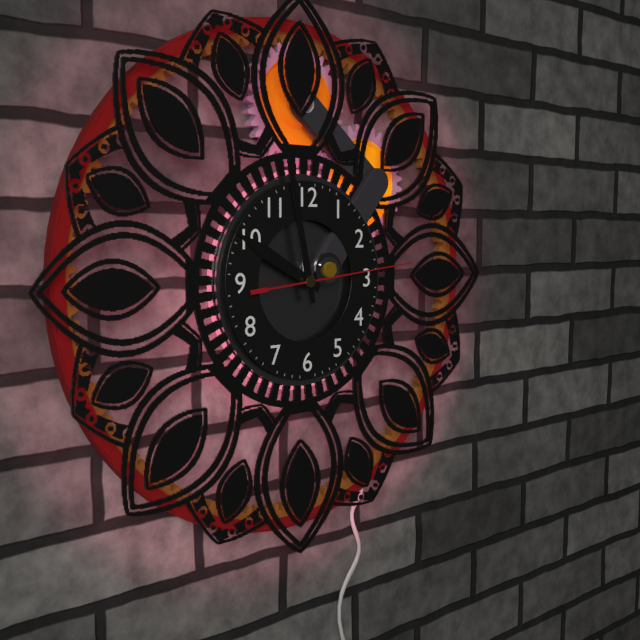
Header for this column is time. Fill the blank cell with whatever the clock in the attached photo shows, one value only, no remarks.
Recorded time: 9:58:14
